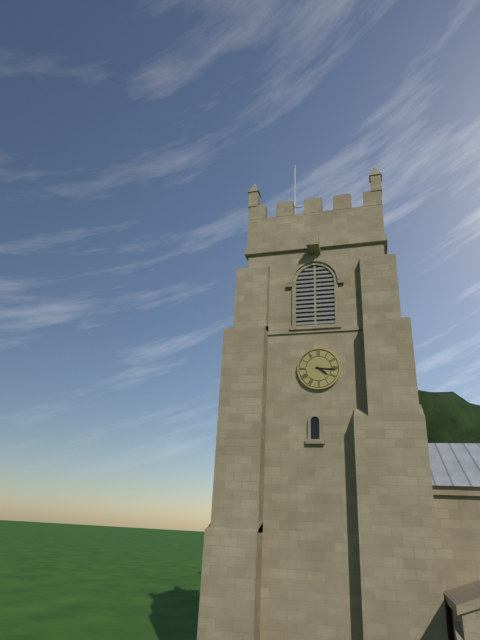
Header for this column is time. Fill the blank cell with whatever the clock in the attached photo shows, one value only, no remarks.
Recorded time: 4:16
